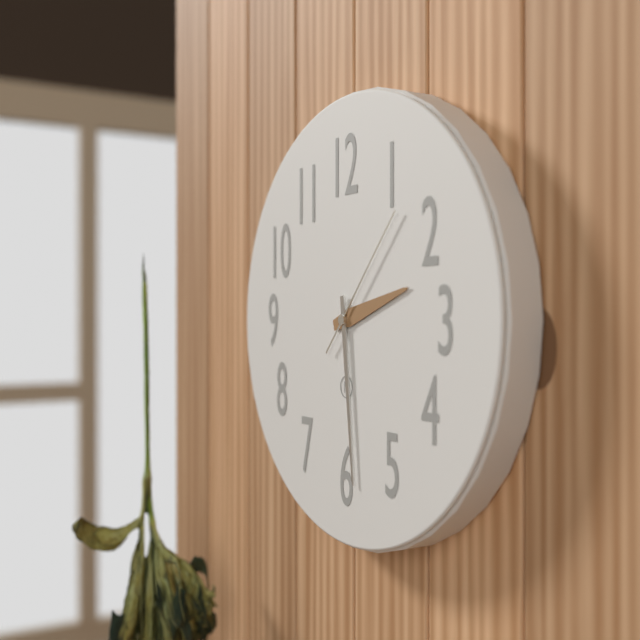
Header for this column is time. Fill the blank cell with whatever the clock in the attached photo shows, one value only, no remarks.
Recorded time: 2:29:07
